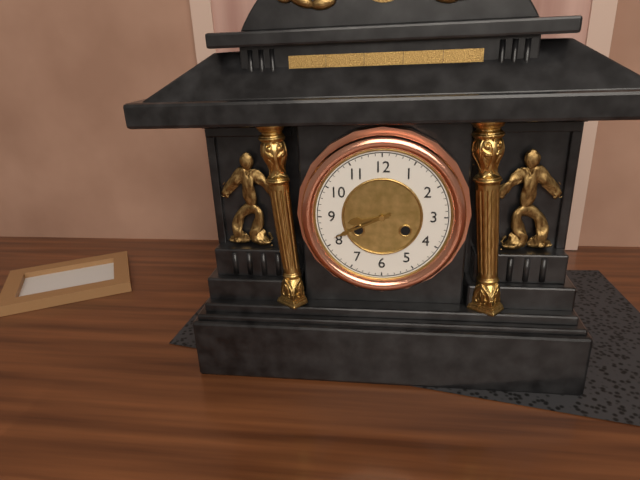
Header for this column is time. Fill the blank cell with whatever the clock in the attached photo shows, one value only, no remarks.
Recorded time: 8:41
